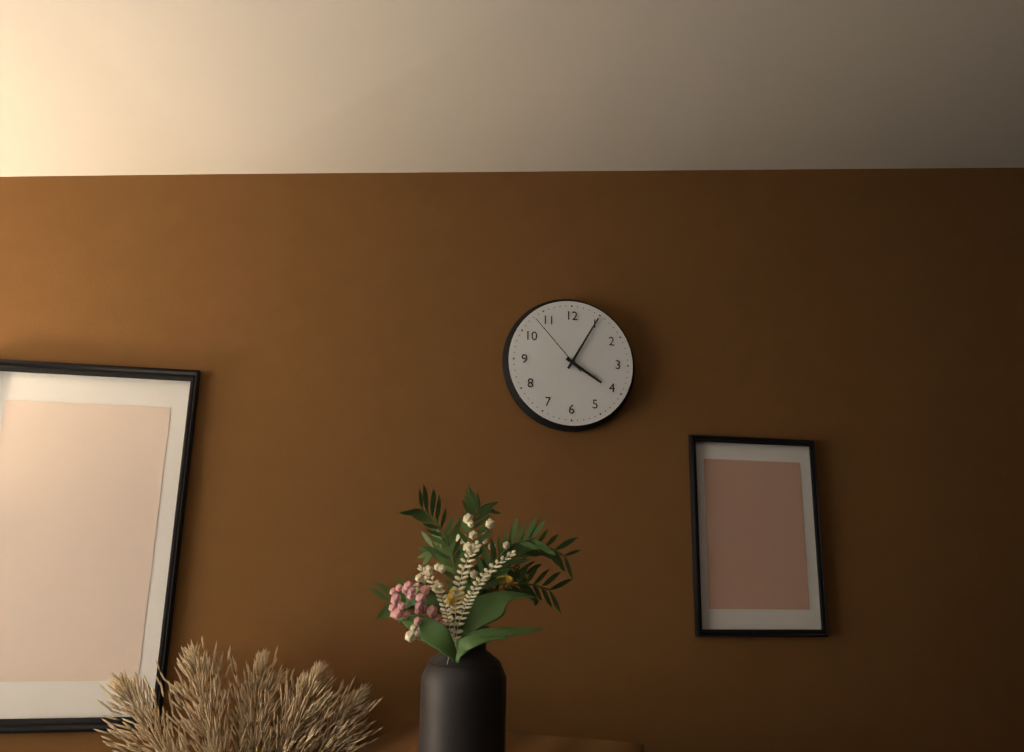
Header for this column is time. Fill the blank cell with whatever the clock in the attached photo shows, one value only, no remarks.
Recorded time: 4:05:53
